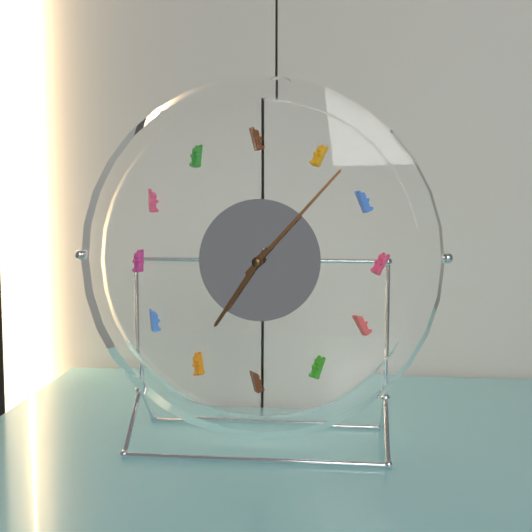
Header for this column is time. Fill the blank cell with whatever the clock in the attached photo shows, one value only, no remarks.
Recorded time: 7:07
